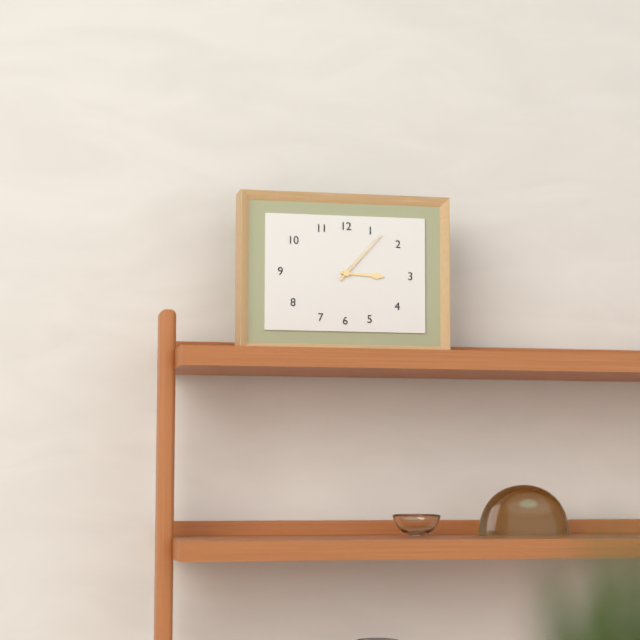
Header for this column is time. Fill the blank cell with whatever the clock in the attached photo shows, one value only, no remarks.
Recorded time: 3:07
